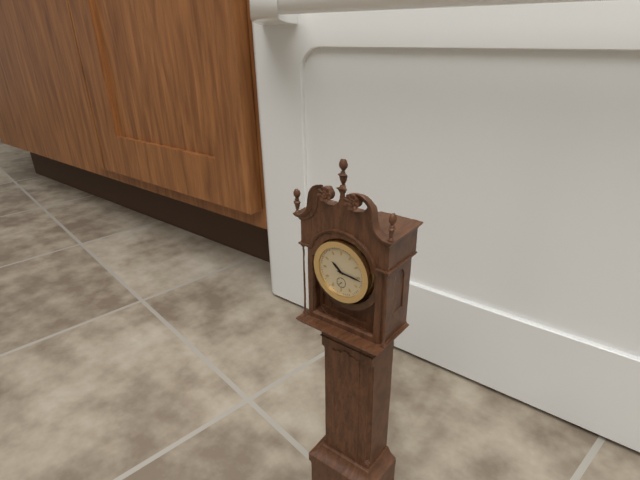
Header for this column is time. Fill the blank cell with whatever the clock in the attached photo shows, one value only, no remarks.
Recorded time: 10:16
